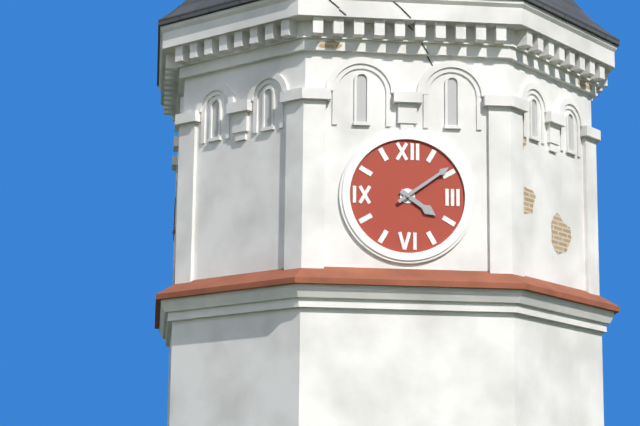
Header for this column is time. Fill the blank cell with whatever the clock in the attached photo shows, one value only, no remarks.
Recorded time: 4:09
